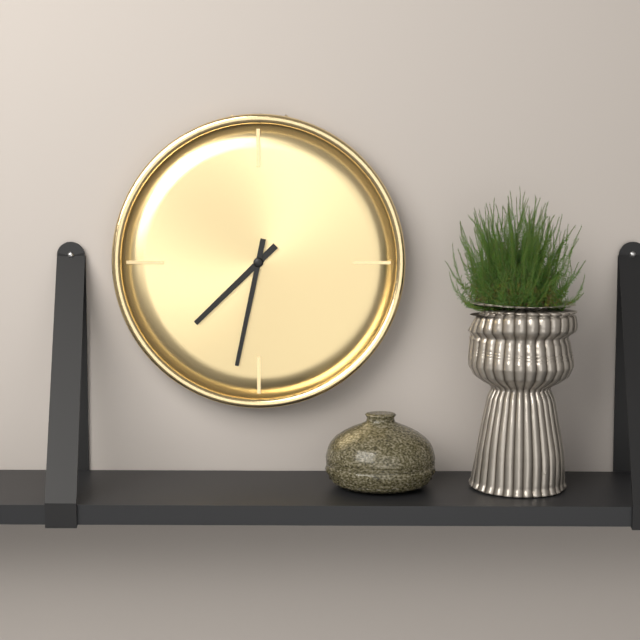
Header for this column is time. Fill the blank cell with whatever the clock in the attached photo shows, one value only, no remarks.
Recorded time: 7:32
